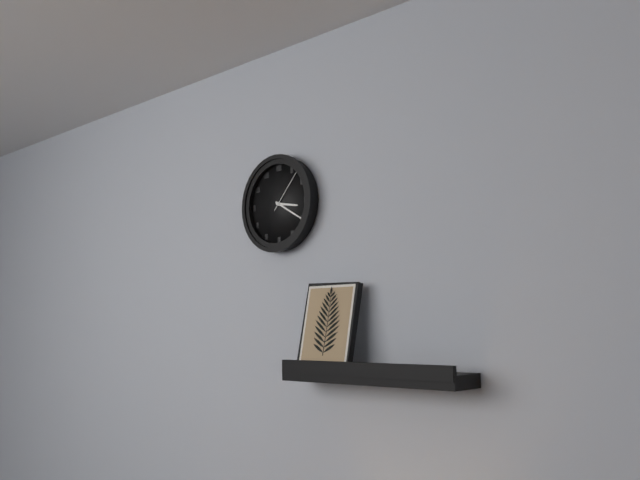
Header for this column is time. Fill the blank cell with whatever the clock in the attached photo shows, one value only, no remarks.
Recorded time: 3:20
